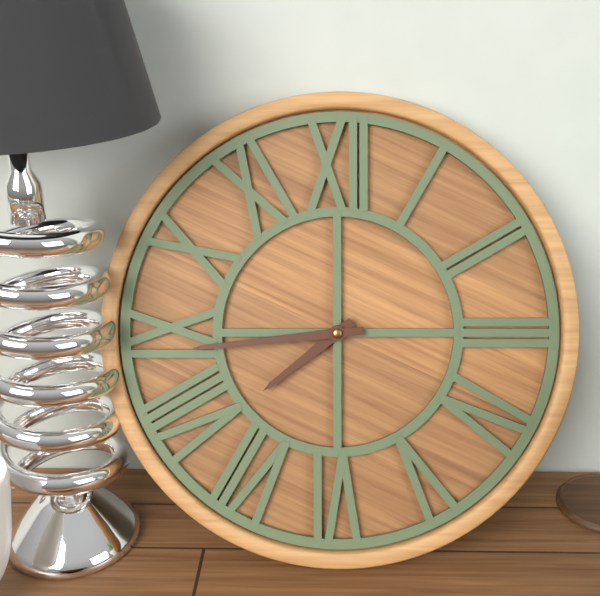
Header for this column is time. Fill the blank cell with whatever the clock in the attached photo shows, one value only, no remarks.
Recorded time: 7:44
